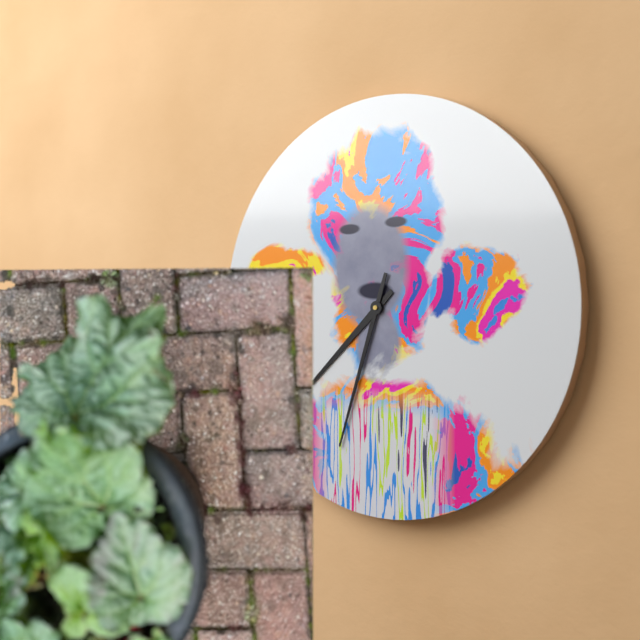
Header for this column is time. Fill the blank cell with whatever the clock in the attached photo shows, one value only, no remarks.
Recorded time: 7:33
